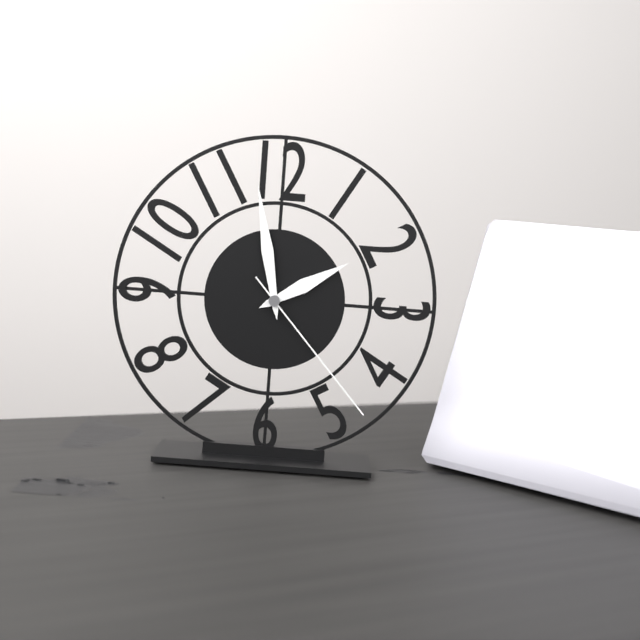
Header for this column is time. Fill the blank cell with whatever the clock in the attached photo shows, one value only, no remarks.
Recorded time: 1:58:23
